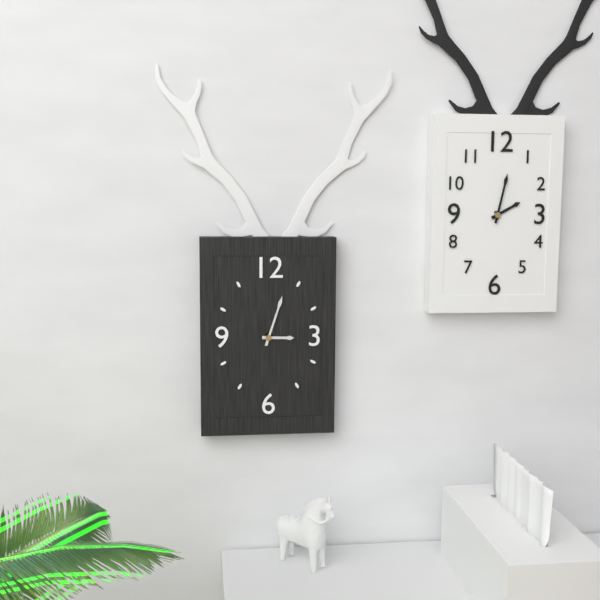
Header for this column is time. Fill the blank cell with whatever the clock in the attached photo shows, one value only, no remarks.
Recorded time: 3:03
